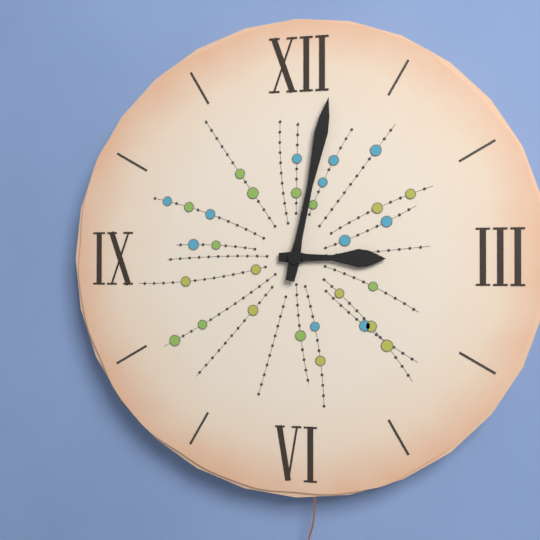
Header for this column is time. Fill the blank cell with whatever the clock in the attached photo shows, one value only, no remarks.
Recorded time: 3:02
